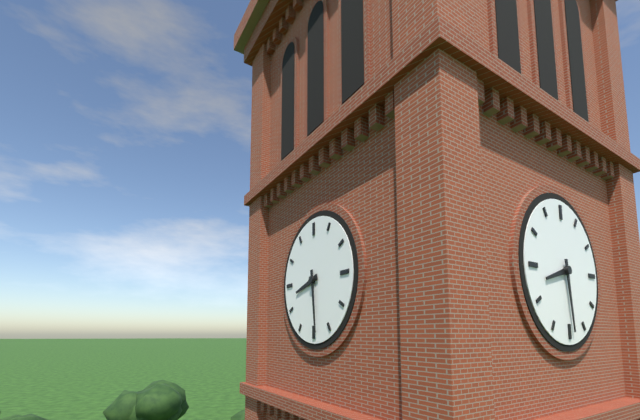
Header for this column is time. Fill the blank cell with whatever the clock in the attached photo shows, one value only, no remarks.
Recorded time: 8:29
